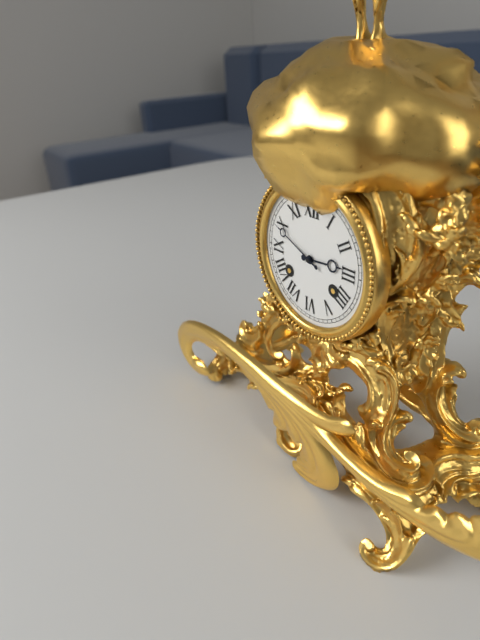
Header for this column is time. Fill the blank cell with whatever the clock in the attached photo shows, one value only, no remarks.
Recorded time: 2:49
